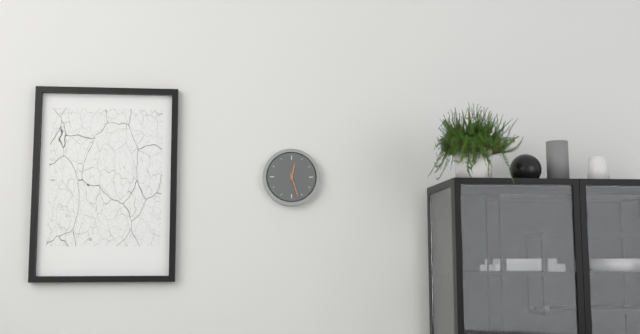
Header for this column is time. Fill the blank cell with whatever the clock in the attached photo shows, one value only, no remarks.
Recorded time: 12:27
